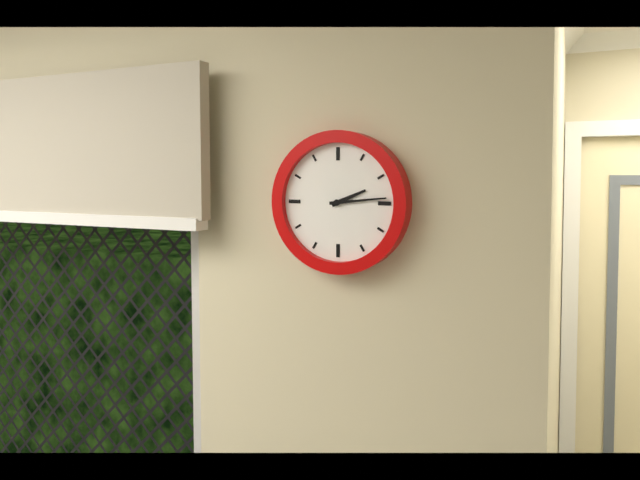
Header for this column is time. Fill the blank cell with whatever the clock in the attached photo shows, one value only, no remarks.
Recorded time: 2:14
